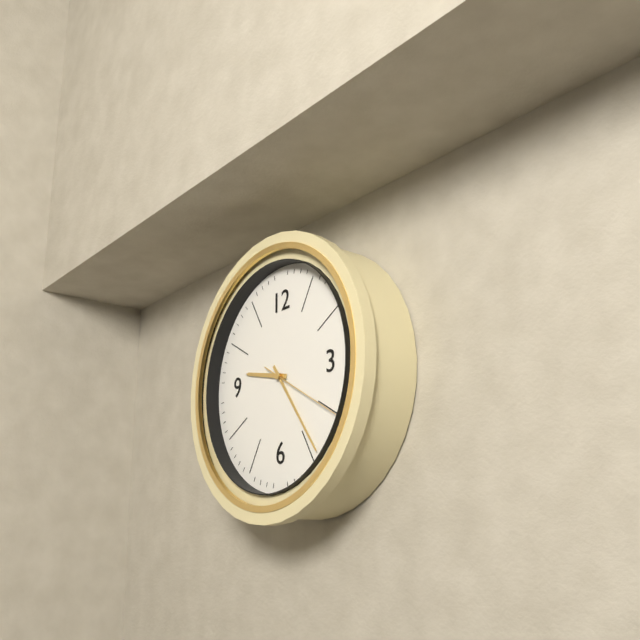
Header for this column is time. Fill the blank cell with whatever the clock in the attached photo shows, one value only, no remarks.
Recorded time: 9:24:20
